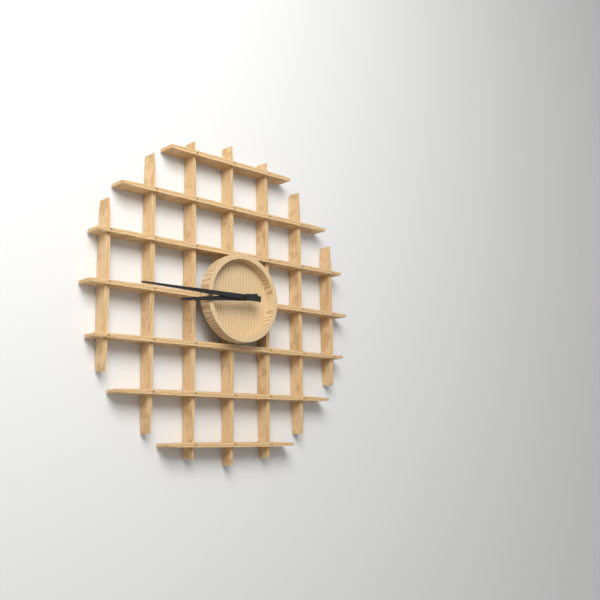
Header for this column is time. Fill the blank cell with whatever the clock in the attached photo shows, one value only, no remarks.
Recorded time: 8:45
